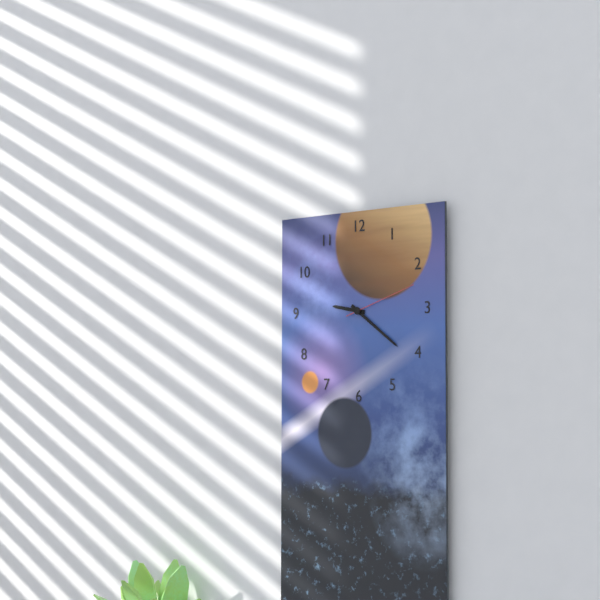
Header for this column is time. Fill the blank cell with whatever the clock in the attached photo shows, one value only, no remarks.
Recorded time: 9:21:12
